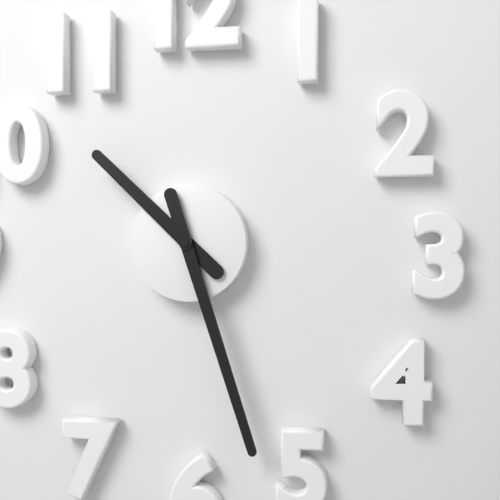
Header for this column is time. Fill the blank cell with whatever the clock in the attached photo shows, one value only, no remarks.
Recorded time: 10:27
